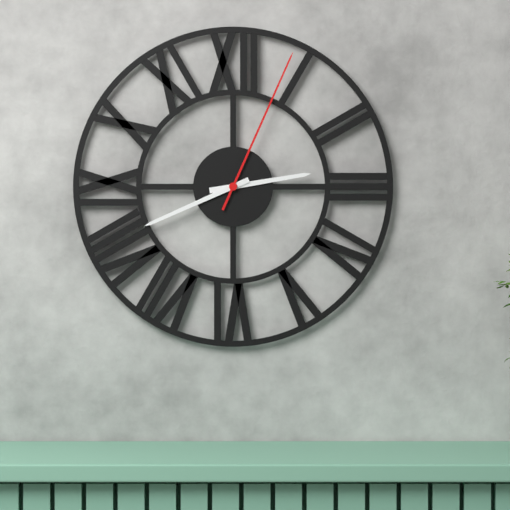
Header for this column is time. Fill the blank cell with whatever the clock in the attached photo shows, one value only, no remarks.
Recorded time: 2:41:04
